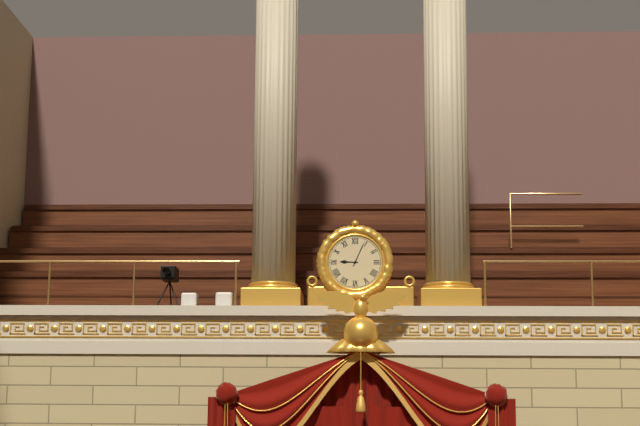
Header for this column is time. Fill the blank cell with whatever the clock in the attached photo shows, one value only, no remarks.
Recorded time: 9:04
